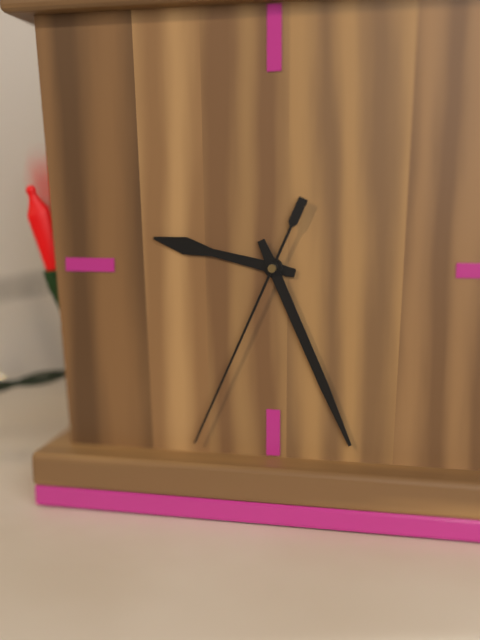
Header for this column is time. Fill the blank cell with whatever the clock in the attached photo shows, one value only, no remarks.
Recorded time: 9:26:34
